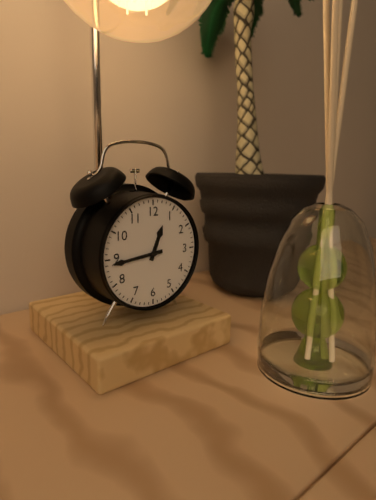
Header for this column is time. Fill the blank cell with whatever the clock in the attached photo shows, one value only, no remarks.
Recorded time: 12:44
